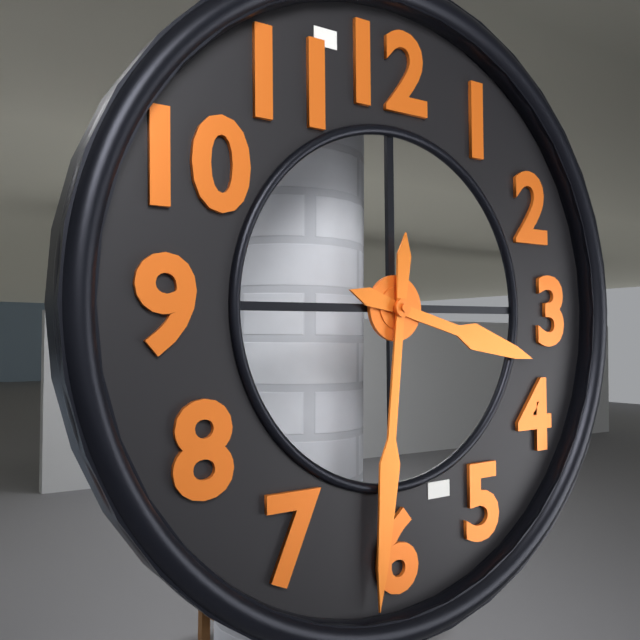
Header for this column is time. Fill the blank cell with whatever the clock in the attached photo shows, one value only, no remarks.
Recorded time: 3:31
